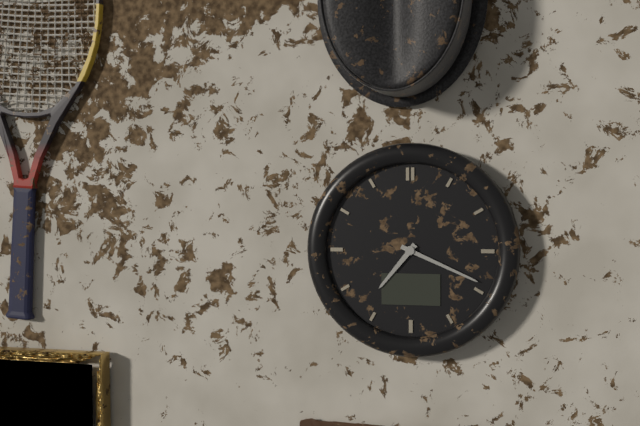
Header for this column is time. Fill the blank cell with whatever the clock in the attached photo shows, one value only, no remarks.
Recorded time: 7:19
